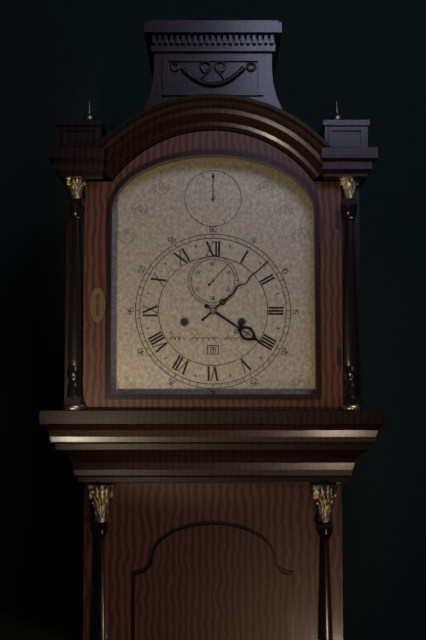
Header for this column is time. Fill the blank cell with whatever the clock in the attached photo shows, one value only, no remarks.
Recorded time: 4:08
